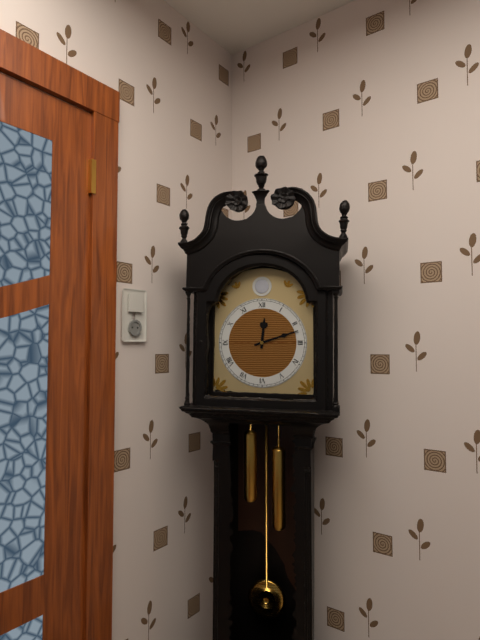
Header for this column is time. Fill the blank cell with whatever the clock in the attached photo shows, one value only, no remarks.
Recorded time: 12:12
